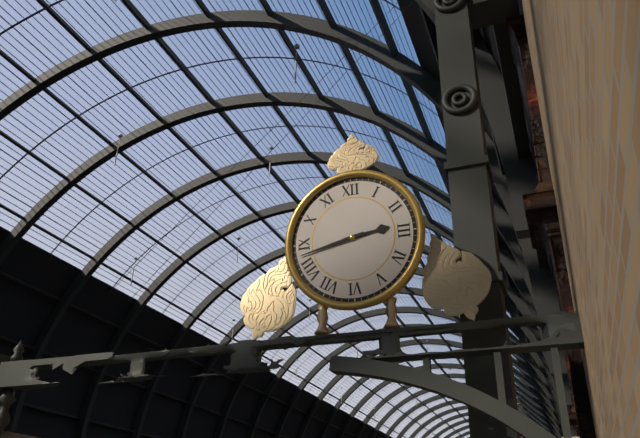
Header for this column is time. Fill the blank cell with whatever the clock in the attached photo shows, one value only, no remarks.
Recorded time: 2:43
